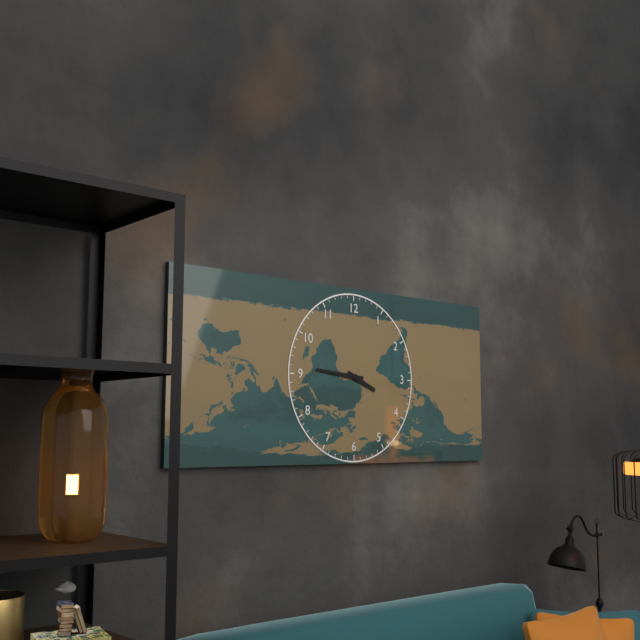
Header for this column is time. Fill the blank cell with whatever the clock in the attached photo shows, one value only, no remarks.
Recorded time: 3:46
